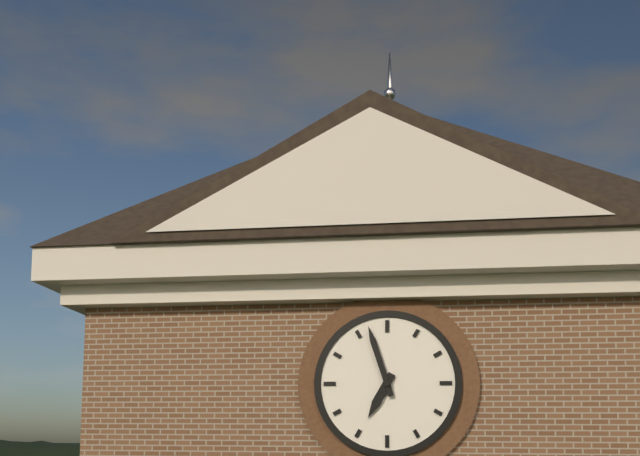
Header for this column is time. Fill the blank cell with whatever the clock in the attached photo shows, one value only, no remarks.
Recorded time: 6:57
